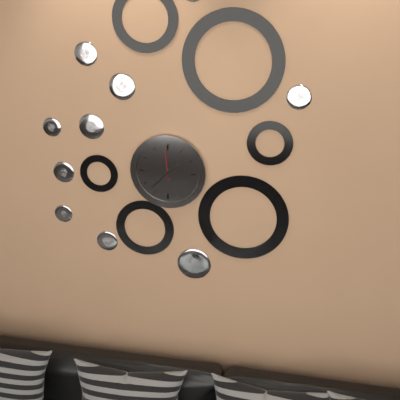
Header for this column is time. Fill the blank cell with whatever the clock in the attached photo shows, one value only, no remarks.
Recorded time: 1:37
